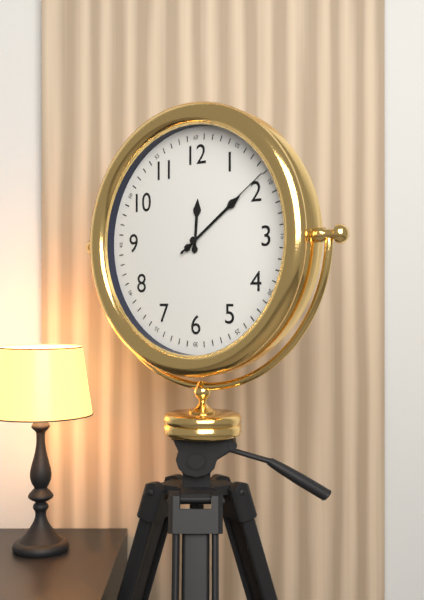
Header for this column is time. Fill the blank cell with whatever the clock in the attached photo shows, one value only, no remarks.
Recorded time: 12:09:09
